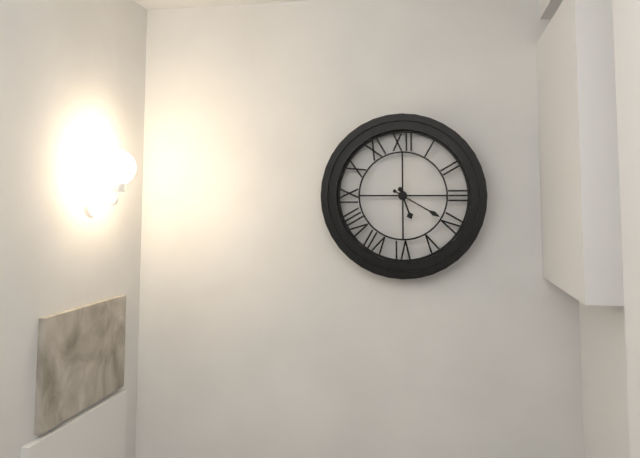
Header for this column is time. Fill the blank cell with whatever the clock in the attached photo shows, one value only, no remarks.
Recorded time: 5:20
